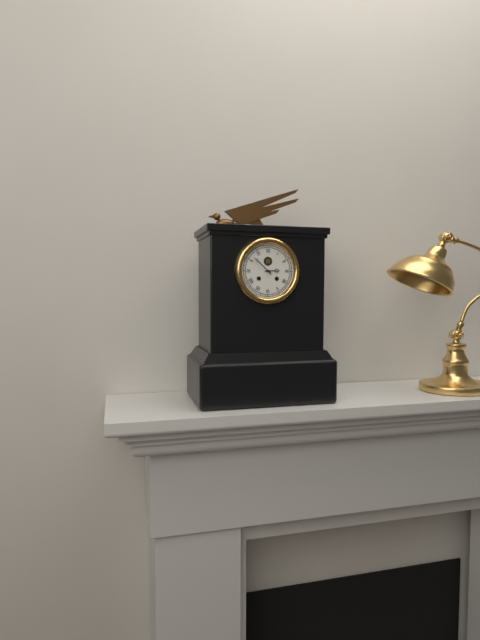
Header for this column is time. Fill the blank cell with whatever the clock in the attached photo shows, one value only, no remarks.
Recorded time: 2:52
